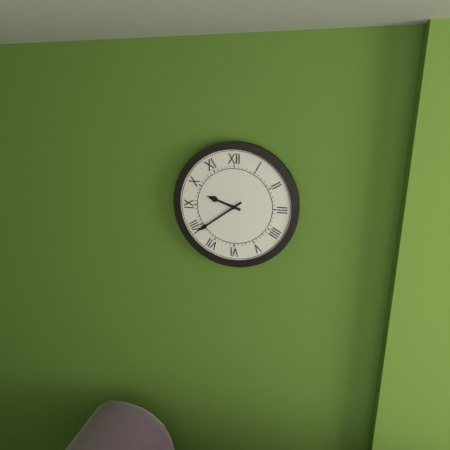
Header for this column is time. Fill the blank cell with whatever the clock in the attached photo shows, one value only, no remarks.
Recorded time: 9:39
